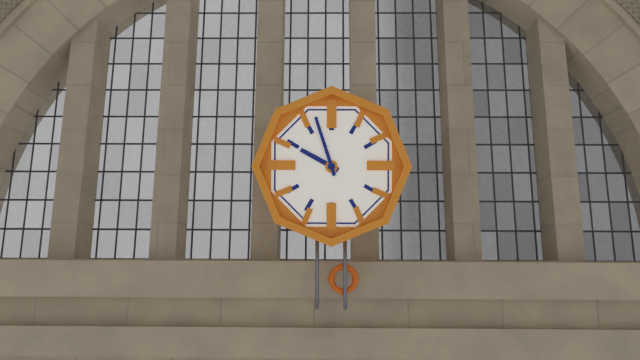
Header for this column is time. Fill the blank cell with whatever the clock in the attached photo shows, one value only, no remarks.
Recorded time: 9:57
